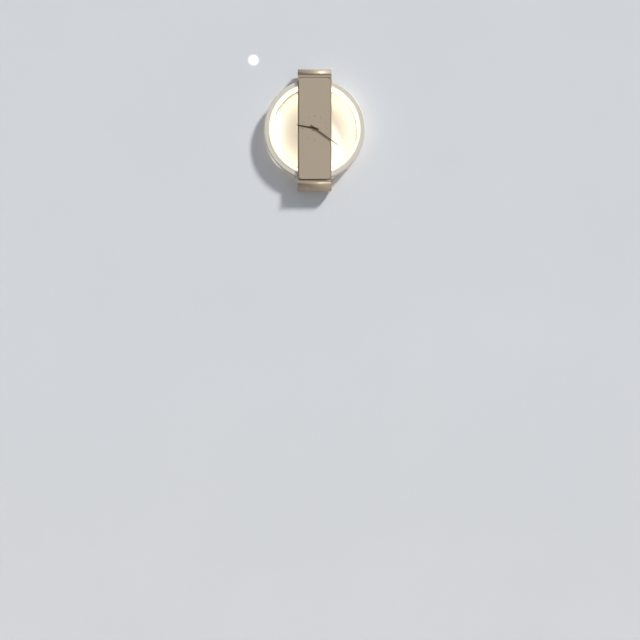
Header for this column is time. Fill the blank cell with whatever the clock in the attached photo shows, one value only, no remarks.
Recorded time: 9:21
